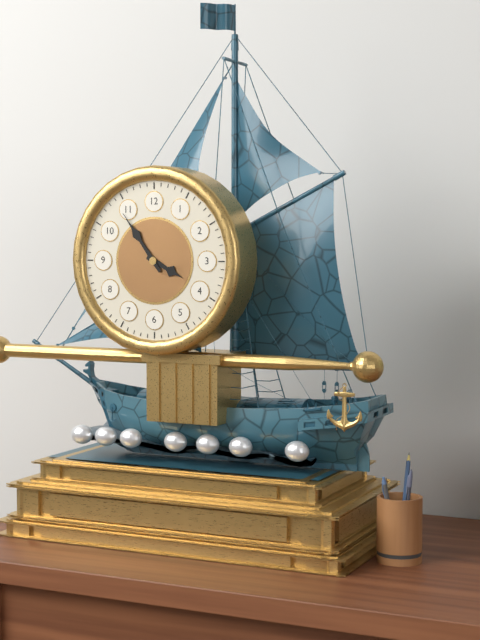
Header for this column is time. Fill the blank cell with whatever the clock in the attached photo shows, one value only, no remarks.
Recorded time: 3:54
